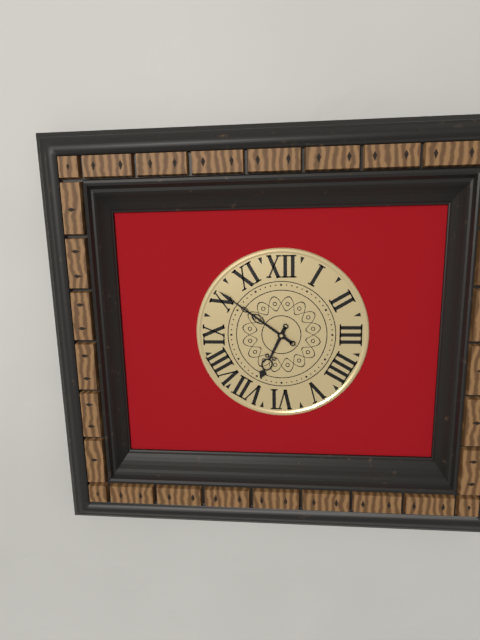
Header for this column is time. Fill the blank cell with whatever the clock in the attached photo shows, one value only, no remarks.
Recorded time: 6:51
